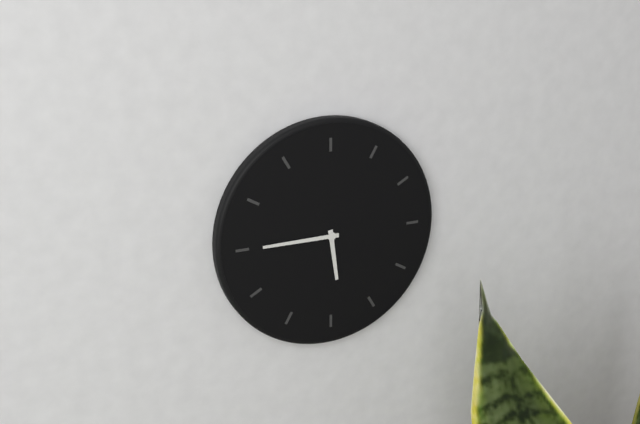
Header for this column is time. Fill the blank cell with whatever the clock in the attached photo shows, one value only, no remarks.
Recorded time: 5:45
